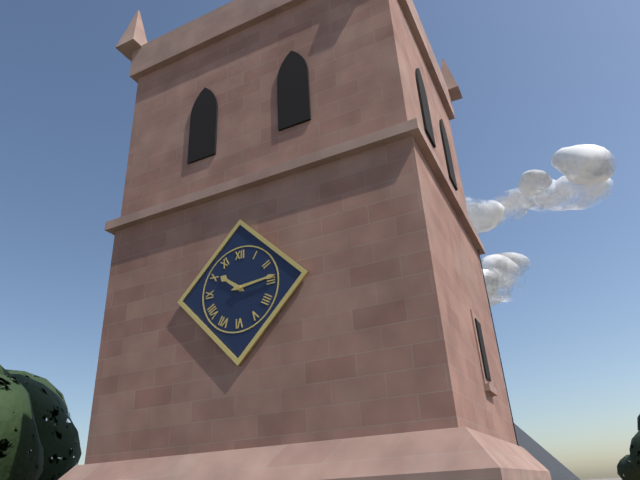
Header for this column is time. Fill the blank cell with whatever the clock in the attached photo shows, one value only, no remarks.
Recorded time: 10:14
